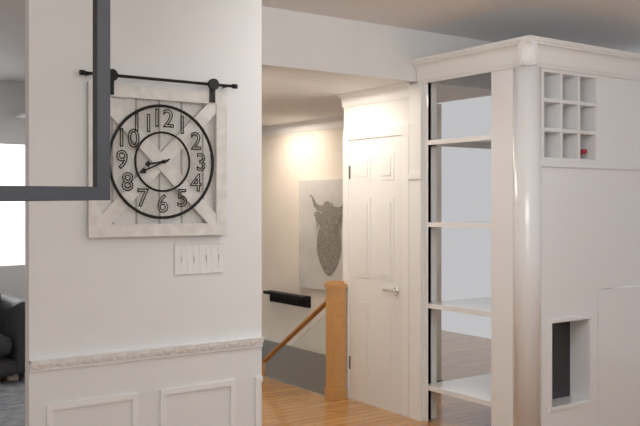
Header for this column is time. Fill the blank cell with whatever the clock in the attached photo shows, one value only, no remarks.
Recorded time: 8:41
